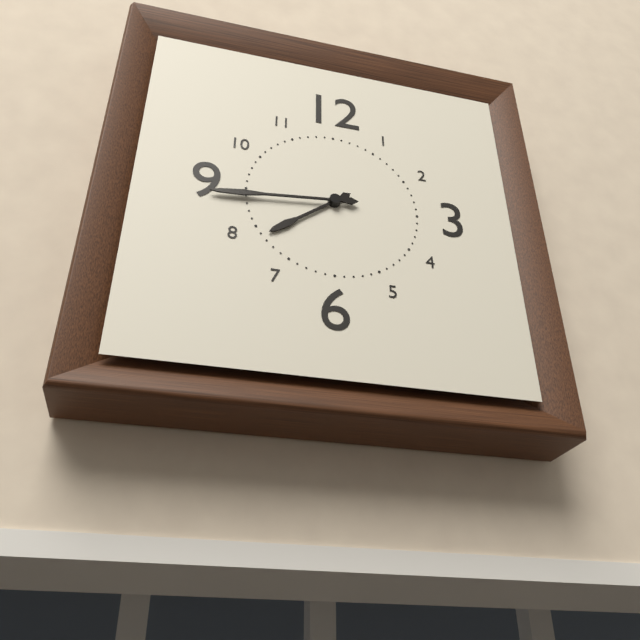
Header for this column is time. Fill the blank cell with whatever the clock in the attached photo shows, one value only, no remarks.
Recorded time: 7:44
